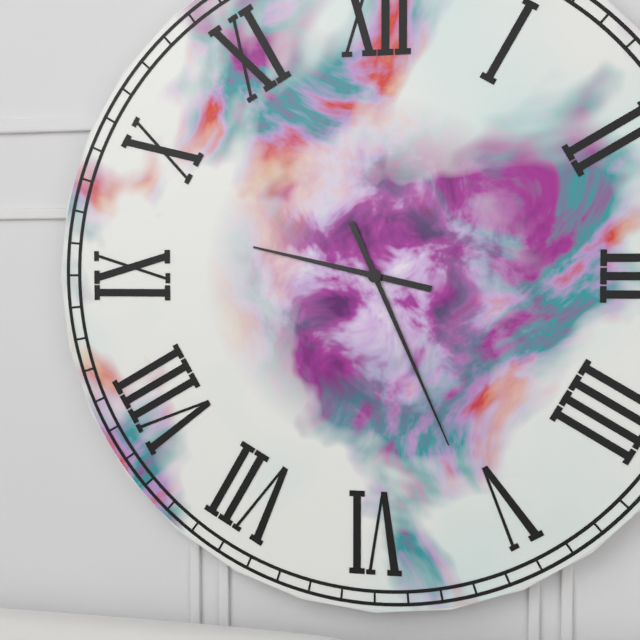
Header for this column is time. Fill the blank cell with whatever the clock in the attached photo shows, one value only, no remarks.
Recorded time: 9:26
